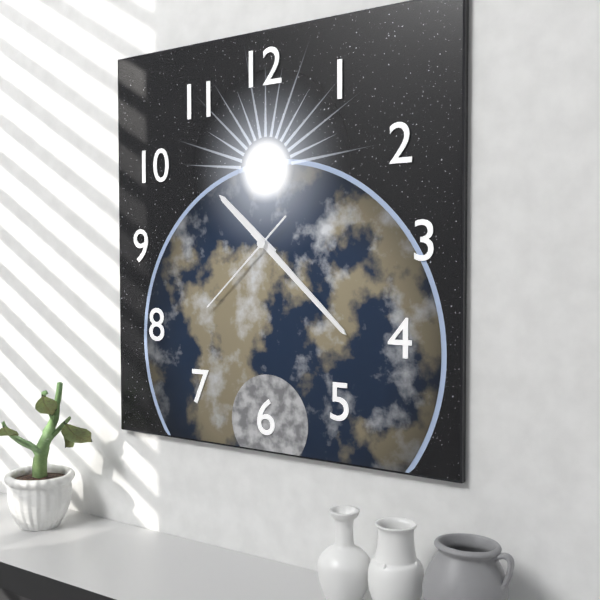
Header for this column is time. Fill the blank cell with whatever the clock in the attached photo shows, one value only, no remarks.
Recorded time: 10:22:38
